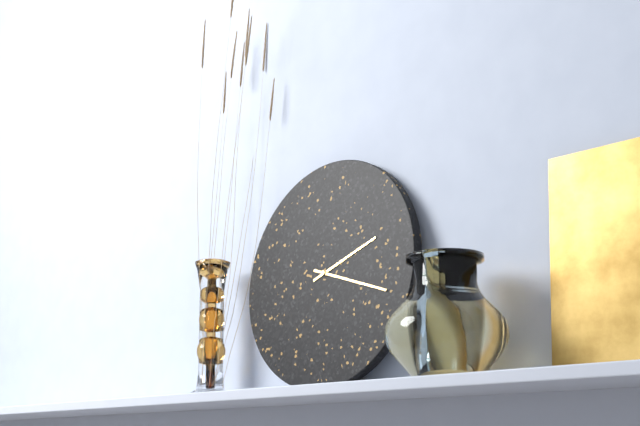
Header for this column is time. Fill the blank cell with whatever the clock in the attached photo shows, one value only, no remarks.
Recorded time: 2:18
